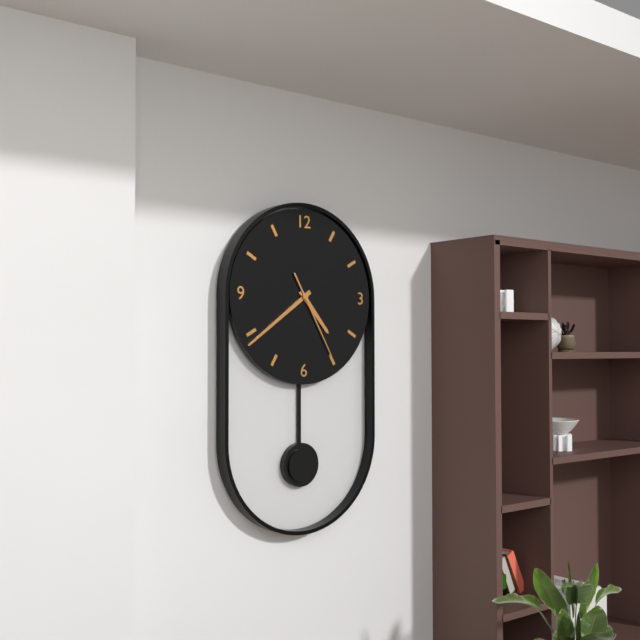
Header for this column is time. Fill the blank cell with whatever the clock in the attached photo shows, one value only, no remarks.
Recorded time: 4:39:25
